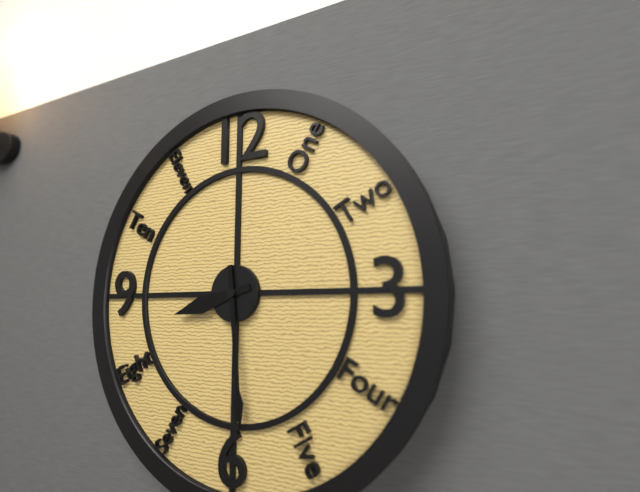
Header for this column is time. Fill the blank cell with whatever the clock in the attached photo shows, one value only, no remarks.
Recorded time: 8:29
